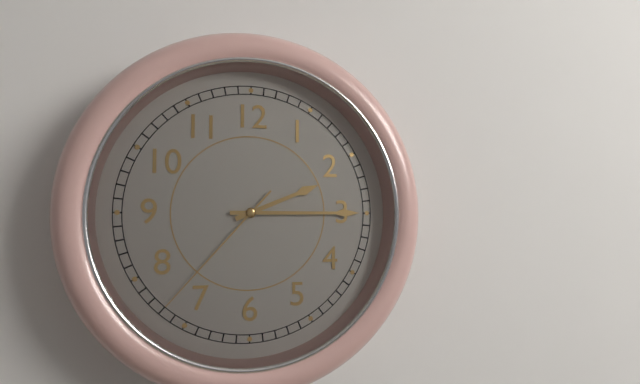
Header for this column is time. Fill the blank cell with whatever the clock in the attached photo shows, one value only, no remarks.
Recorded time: 2:15:37
